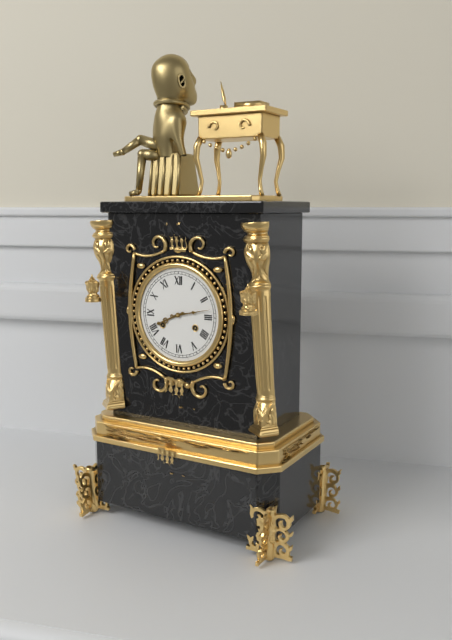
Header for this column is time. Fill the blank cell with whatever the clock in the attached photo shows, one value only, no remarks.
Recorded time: 8:13
